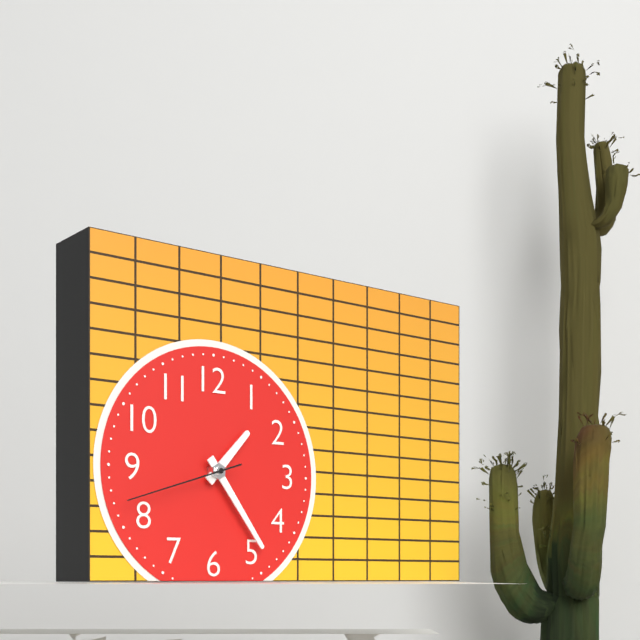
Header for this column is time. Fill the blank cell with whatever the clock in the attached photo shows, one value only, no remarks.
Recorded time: 1:24:42
